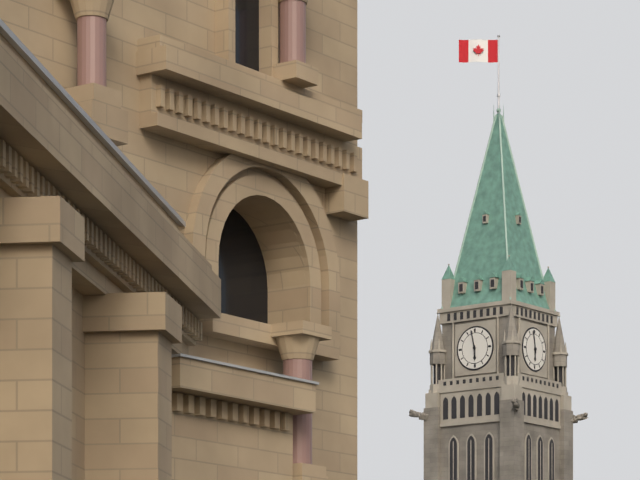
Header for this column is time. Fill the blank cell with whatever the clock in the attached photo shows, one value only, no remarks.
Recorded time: 5:58
